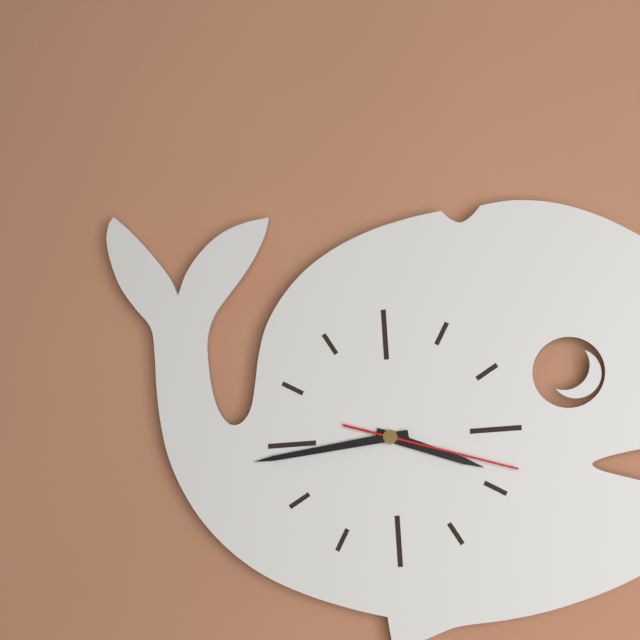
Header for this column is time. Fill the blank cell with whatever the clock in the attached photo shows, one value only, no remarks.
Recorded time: 3:44:18
